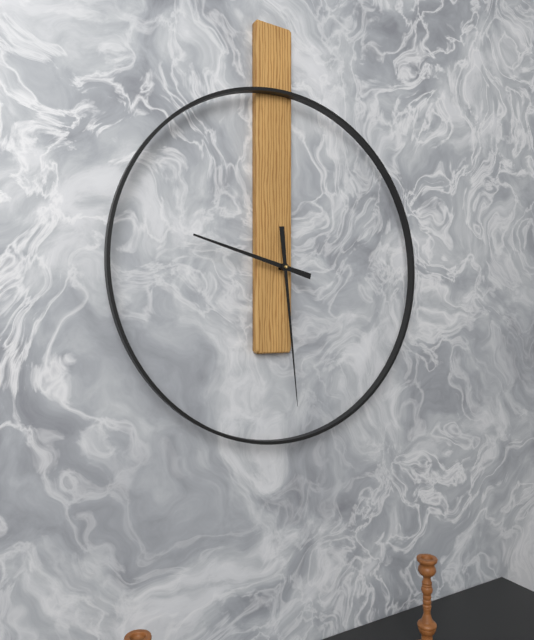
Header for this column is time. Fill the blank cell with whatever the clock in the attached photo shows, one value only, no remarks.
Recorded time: 9:29
